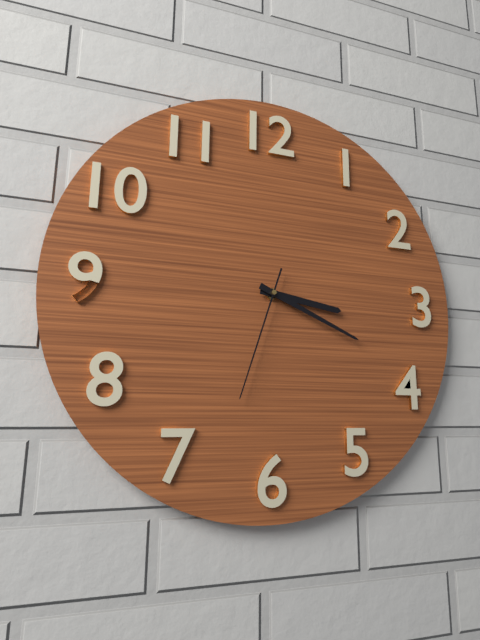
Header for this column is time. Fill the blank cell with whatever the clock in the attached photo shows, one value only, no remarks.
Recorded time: 3:19:33
